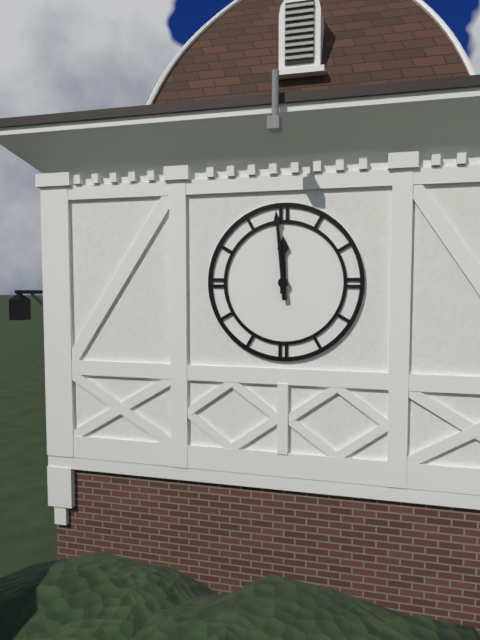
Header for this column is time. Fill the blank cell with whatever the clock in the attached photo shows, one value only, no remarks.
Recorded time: 11:59
